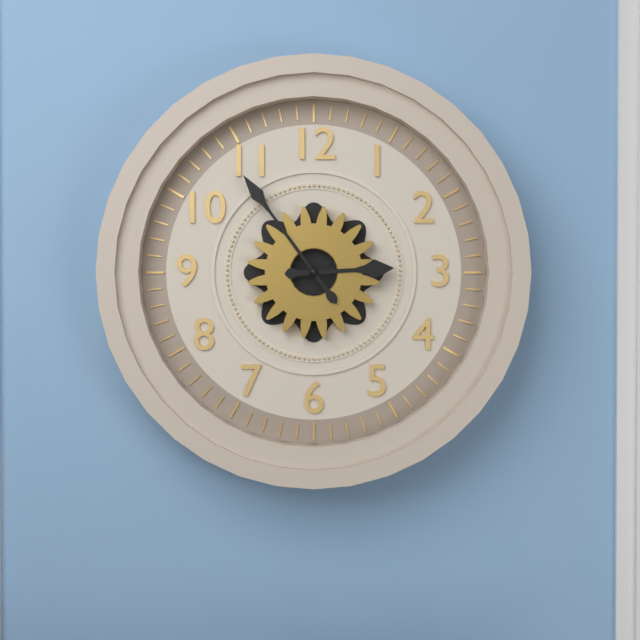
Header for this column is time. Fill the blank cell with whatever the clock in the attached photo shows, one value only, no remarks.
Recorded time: 2:54
